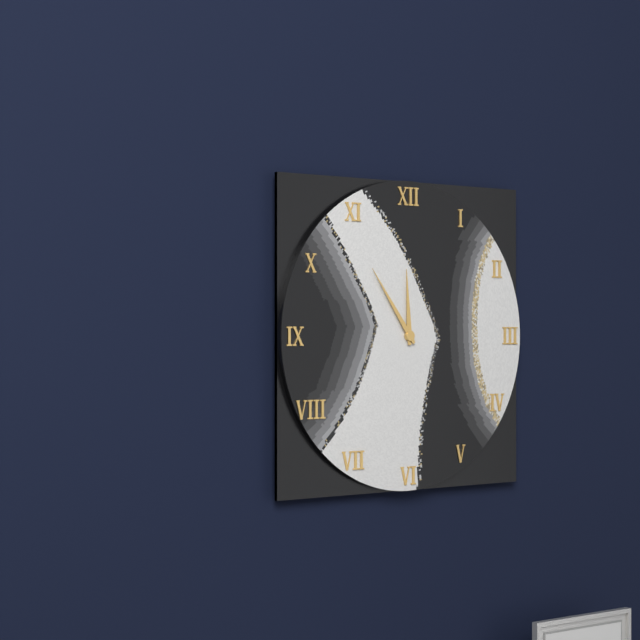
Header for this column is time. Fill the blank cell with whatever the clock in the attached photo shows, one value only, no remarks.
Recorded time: 11:54
